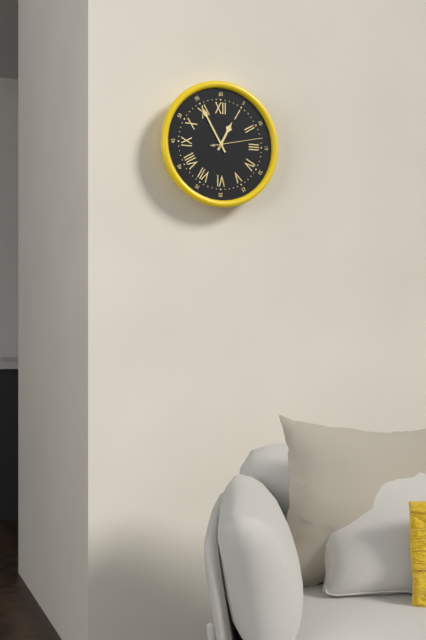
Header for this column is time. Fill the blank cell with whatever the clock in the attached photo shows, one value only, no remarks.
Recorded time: 12:55:13
